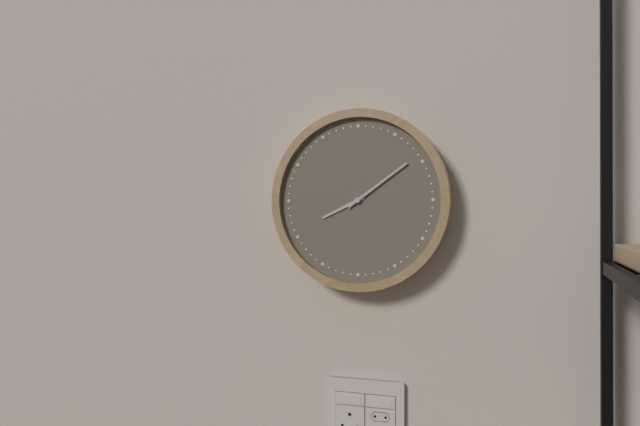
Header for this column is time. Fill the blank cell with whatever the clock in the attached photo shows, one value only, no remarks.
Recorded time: 8:09
